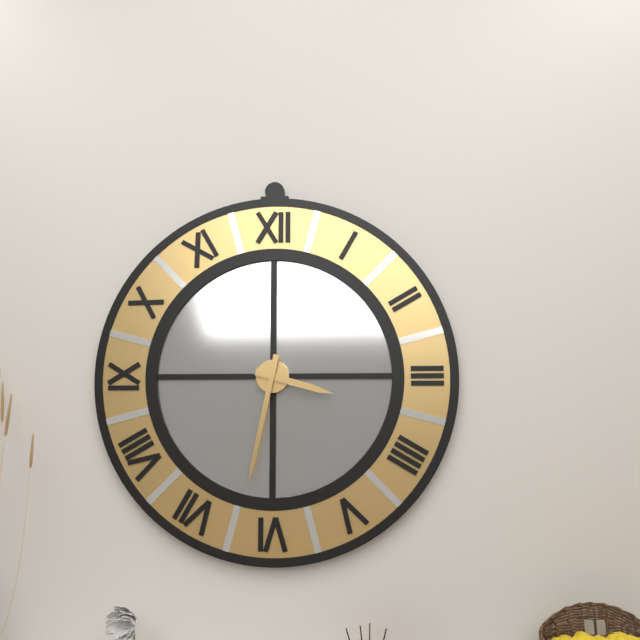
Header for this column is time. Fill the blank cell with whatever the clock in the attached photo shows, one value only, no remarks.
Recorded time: 3:32
